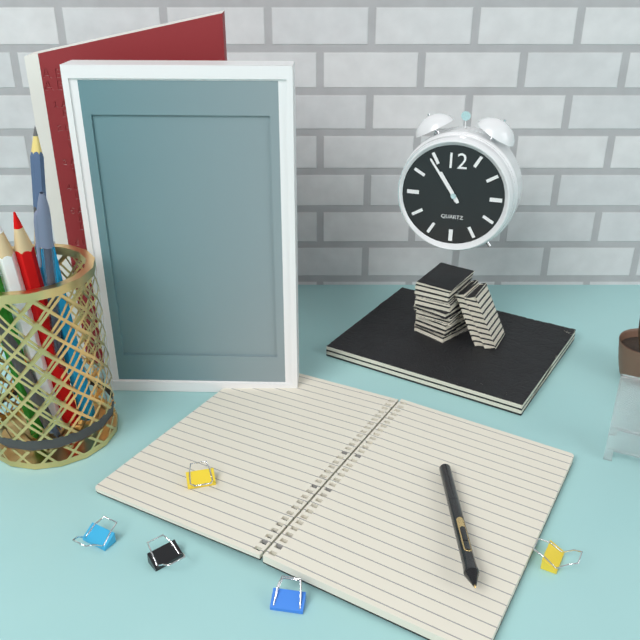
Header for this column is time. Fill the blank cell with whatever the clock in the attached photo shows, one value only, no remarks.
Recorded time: 10:54
